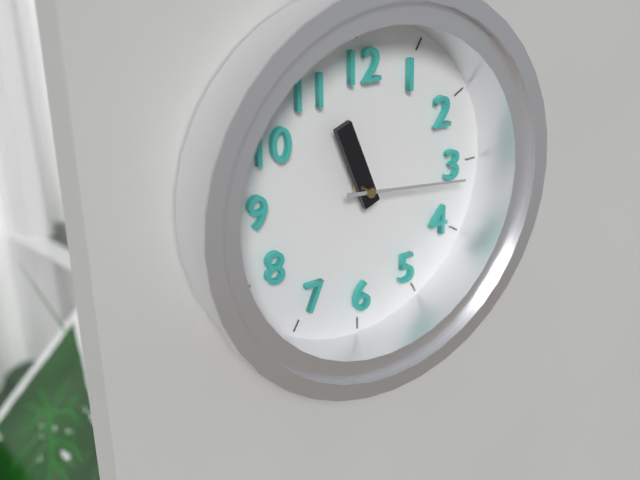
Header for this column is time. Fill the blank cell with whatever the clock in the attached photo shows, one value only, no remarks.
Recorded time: 11:16
